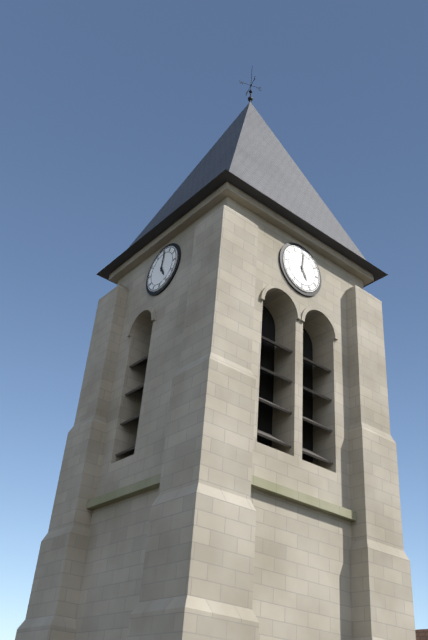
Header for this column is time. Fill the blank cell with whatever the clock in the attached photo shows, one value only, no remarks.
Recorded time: 5:01
